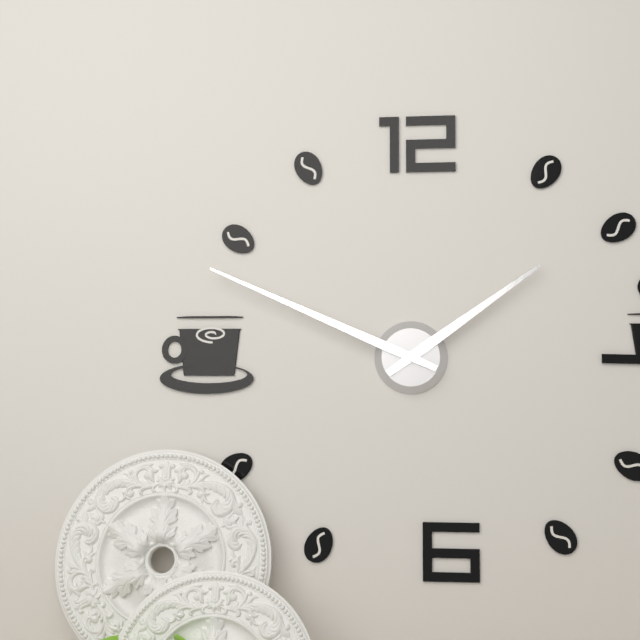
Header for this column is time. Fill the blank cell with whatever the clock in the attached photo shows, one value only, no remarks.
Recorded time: 1:49
